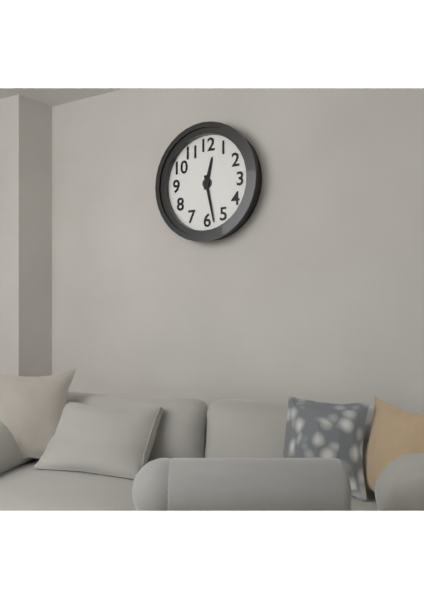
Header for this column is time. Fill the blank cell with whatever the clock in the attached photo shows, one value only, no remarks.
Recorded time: 12:28
